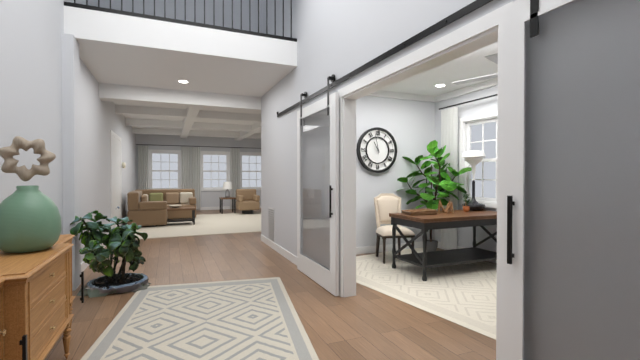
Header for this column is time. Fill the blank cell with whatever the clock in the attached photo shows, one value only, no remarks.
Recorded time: 10:58
